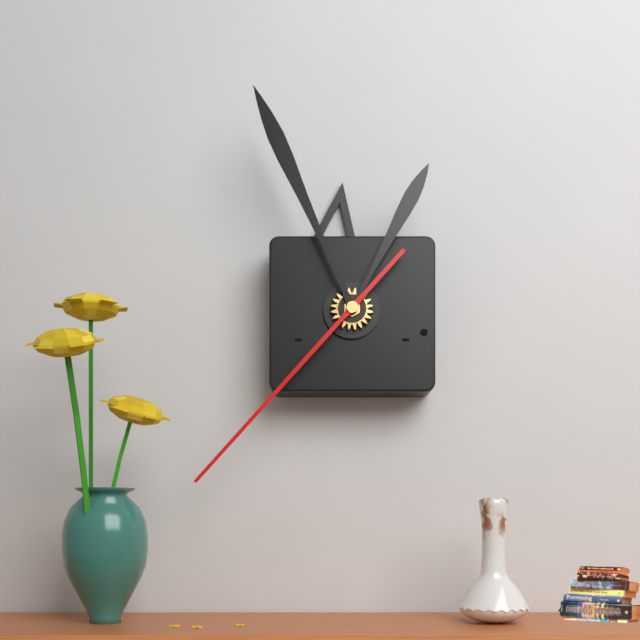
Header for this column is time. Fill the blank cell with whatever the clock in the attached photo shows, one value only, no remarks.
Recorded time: 12:56:37
